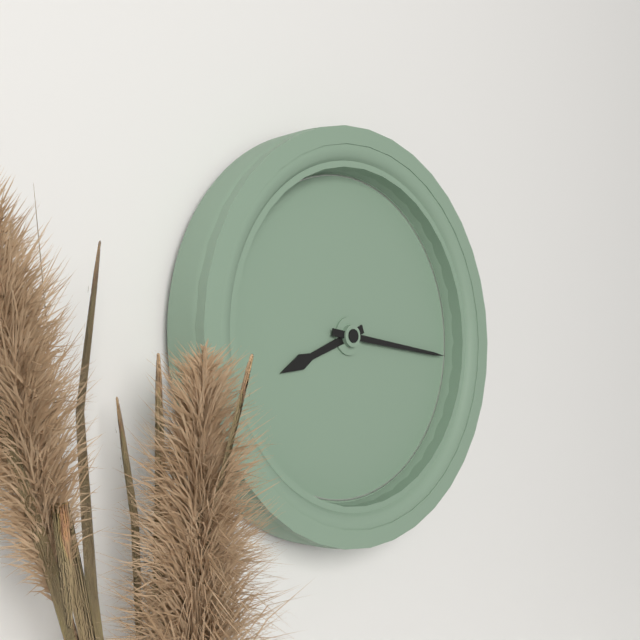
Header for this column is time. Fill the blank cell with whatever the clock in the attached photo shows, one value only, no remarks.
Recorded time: 8:16
